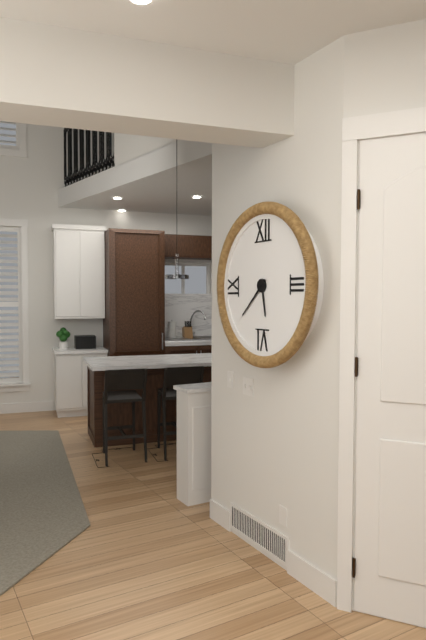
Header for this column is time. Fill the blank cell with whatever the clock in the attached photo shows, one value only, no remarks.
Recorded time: 5:38
